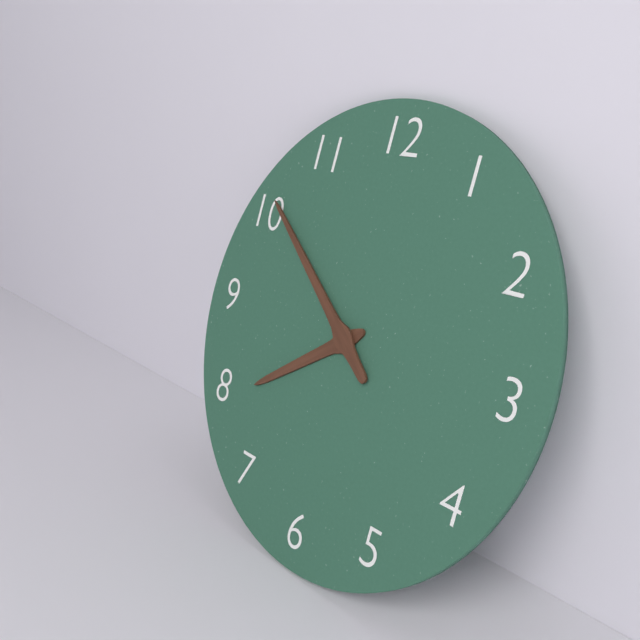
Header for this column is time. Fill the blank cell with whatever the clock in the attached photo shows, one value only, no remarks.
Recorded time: 7:51
